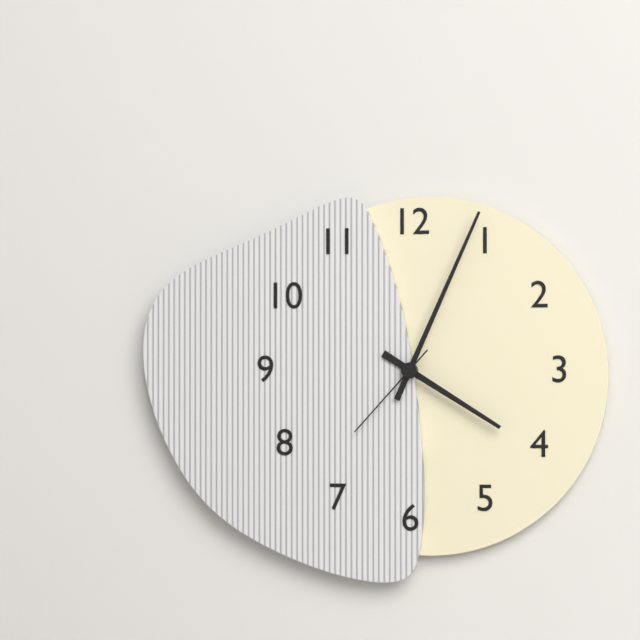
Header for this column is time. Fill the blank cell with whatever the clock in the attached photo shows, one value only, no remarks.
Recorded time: 4:04:37
